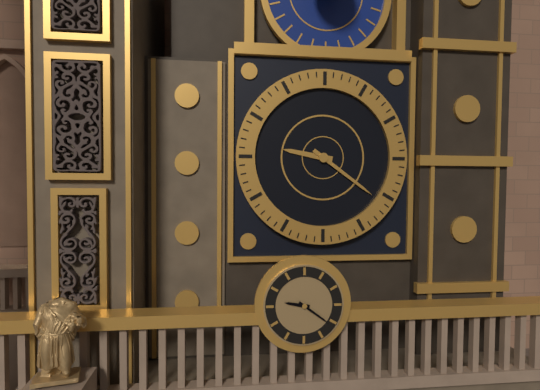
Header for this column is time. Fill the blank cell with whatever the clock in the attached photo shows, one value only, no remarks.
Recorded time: 9:21
